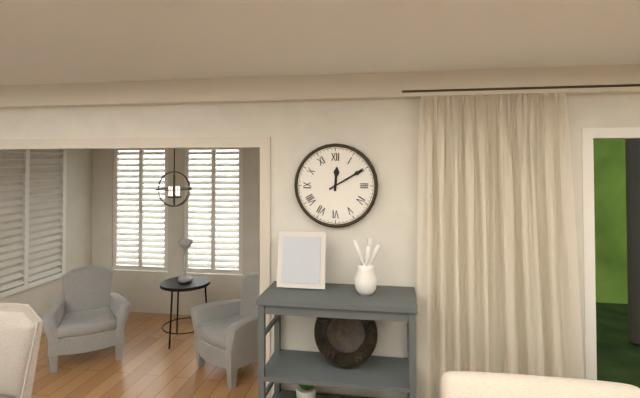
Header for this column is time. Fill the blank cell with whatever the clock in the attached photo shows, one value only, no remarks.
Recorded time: 12:10
